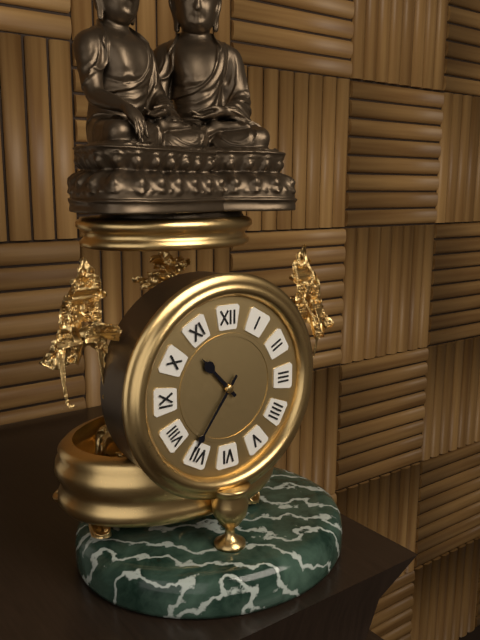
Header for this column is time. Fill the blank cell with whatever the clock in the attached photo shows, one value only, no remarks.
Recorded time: 10:36
